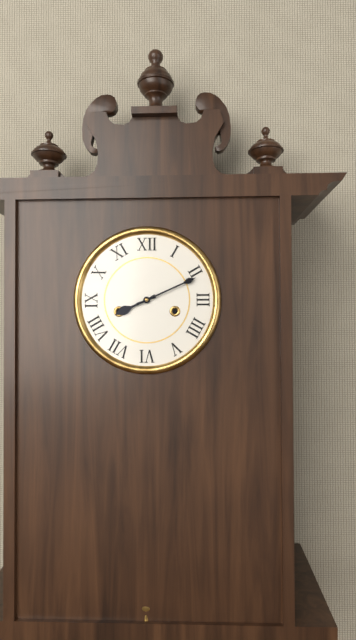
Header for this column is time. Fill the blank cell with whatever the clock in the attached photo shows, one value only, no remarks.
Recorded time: 8:11
